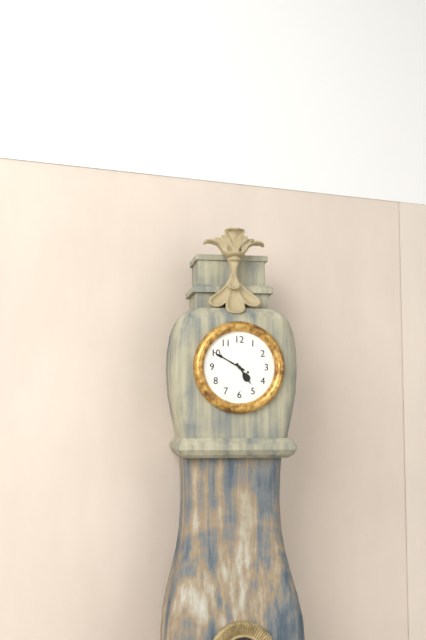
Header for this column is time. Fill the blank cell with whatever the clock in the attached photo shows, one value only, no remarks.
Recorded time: 4:50
